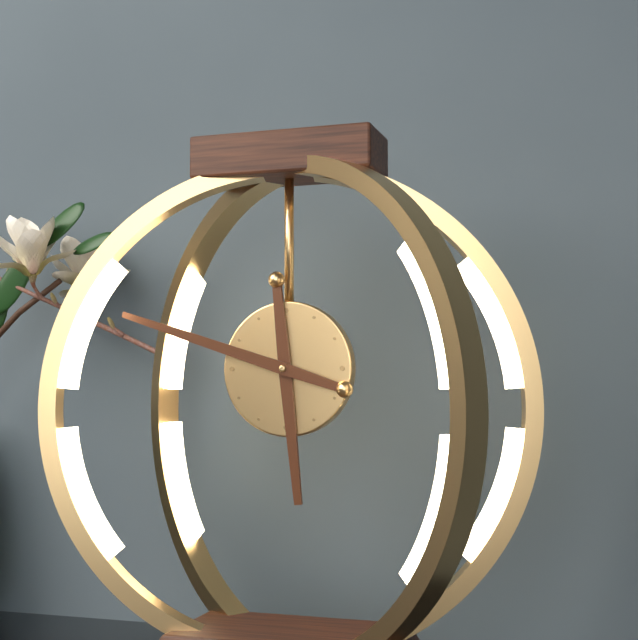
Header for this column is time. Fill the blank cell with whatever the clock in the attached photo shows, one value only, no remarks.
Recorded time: 5:48
